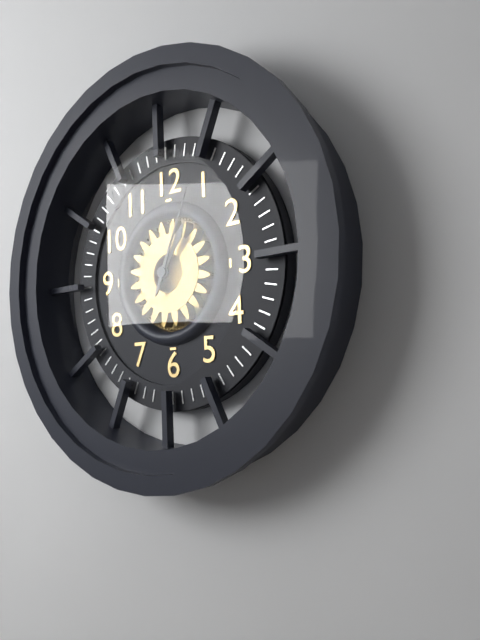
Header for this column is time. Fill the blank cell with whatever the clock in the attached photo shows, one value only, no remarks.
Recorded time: 1:04
